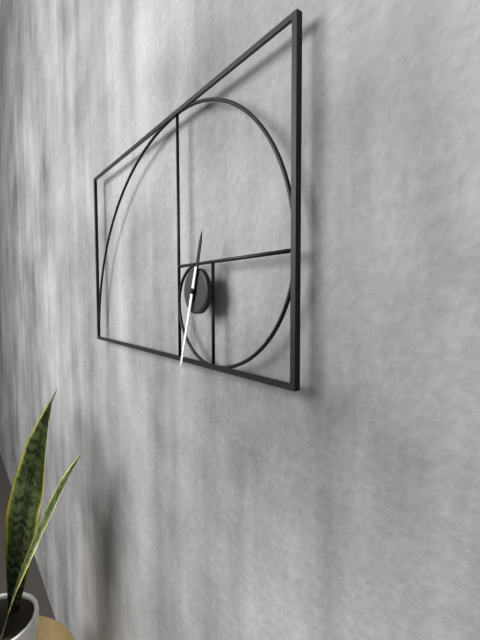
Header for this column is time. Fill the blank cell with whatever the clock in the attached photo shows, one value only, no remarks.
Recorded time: 12:33
